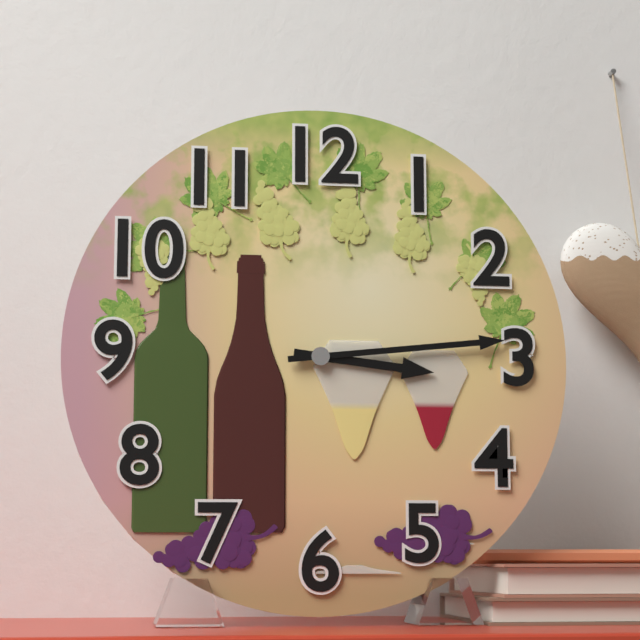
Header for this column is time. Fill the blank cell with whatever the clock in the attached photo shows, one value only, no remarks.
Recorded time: 3:14
